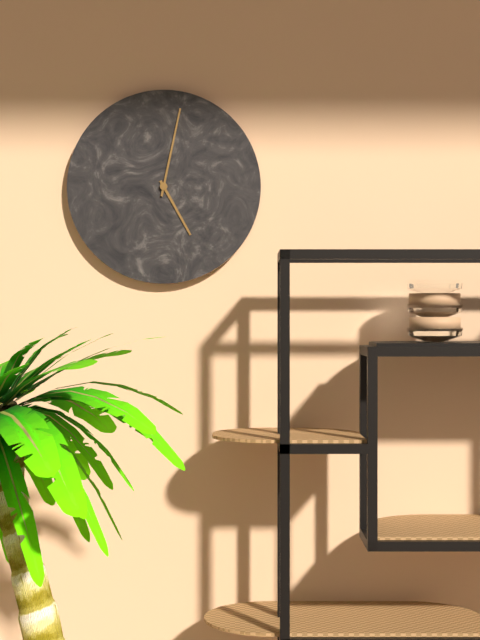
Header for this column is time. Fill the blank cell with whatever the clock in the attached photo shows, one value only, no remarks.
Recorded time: 5:02
